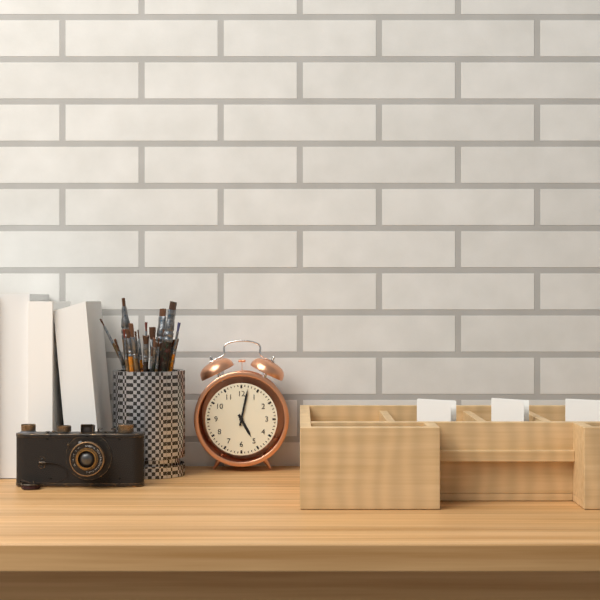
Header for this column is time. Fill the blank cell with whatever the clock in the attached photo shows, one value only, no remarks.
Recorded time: 5:02
